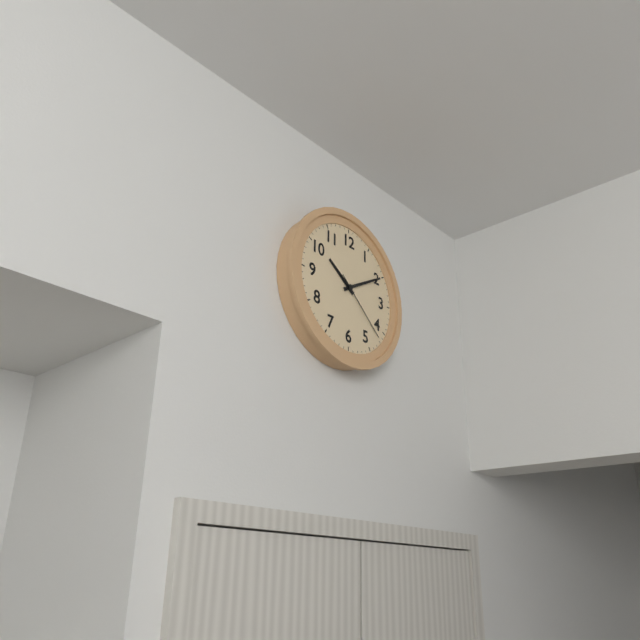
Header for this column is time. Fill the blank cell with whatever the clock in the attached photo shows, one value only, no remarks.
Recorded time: 10:10:22
